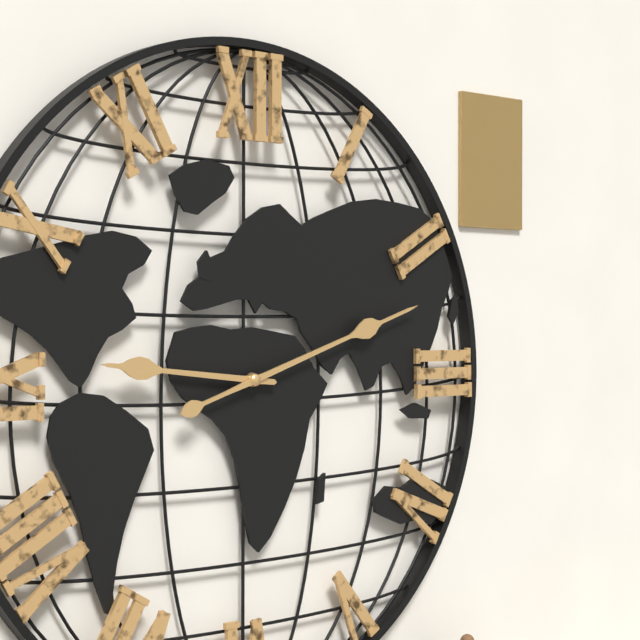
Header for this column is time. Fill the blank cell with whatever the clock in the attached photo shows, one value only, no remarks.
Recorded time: 9:12
